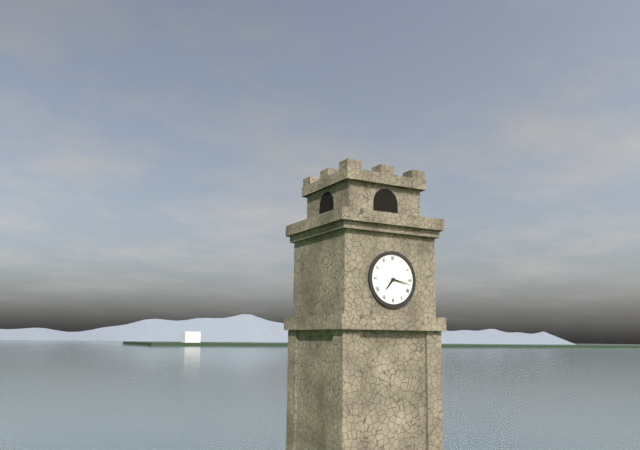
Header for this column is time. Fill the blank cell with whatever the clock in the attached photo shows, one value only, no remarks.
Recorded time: 7:17
